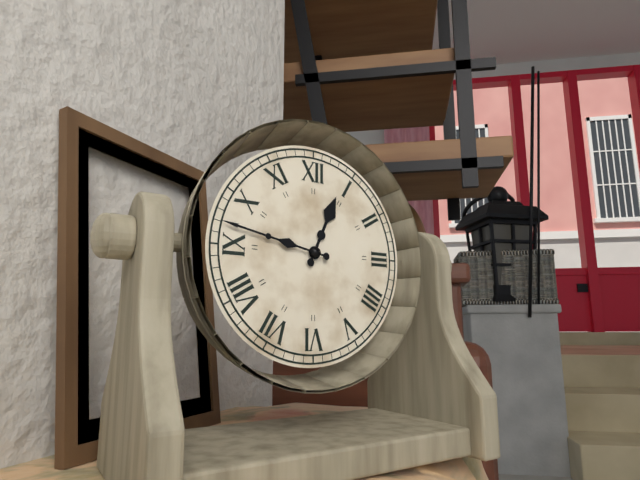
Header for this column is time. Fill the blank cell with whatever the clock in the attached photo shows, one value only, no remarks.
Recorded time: 12:47
